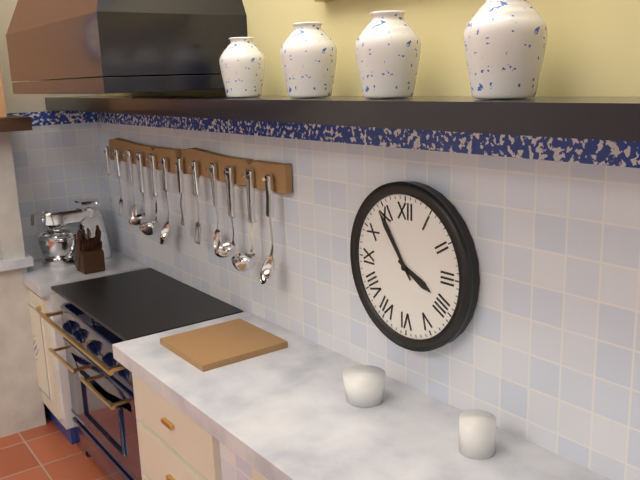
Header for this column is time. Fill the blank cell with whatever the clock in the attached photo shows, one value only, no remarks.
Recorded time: 3:54
